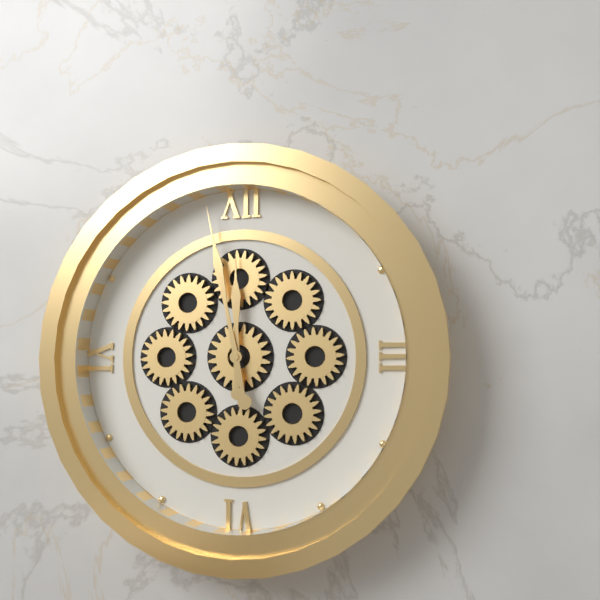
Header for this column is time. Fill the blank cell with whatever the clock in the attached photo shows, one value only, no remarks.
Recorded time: 11:58
